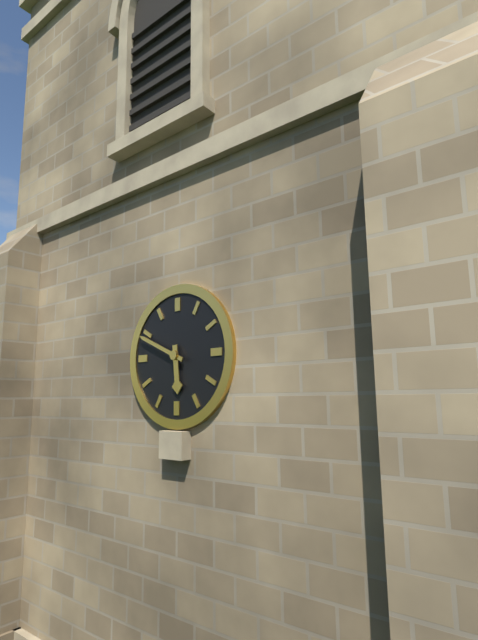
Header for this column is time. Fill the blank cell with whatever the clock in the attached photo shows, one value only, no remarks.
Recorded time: 5:49
